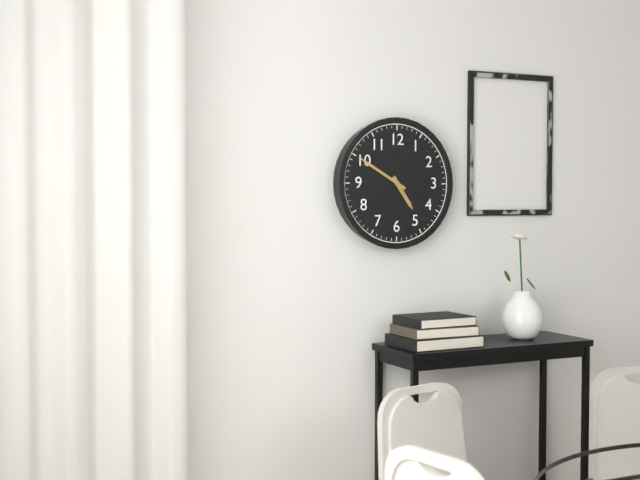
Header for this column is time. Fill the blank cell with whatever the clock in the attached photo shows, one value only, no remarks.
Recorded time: 4:50
